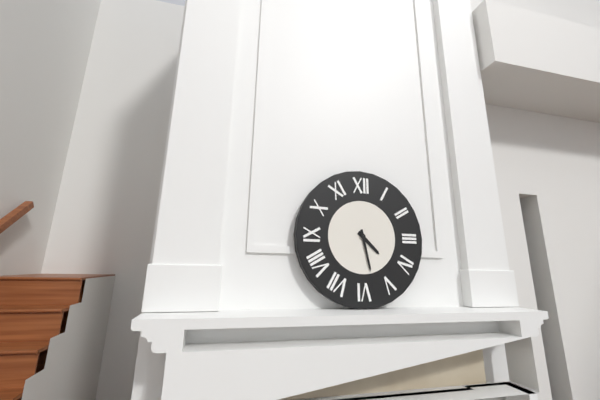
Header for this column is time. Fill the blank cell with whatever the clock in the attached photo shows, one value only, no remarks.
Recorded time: 4:28
